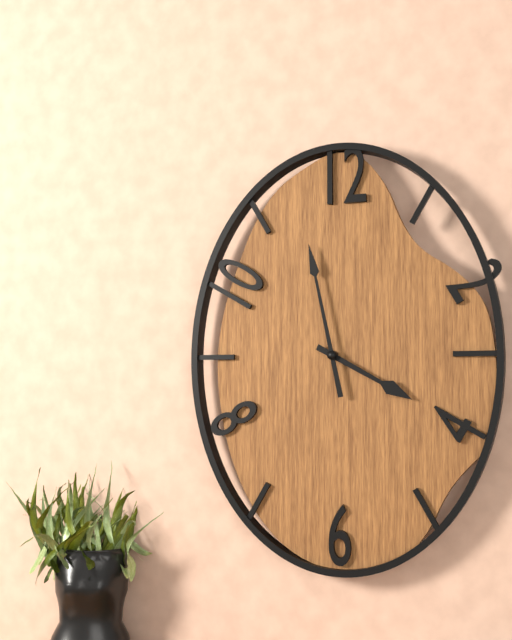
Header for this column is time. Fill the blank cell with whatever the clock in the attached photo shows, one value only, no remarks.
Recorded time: 3:58
